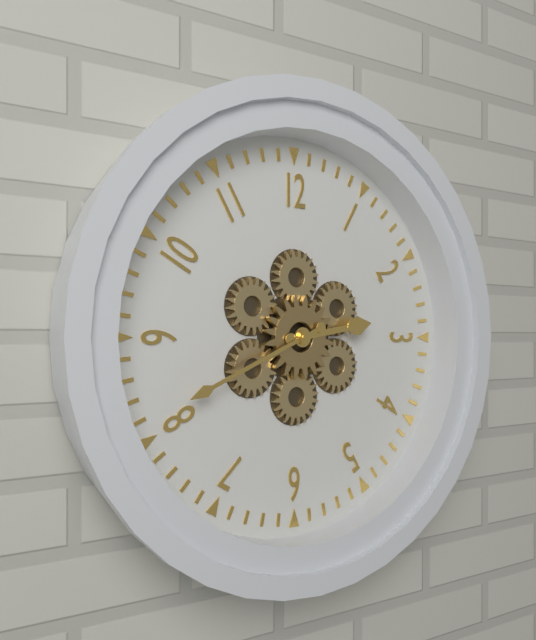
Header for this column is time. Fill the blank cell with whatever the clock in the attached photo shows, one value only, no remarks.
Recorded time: 2:41
